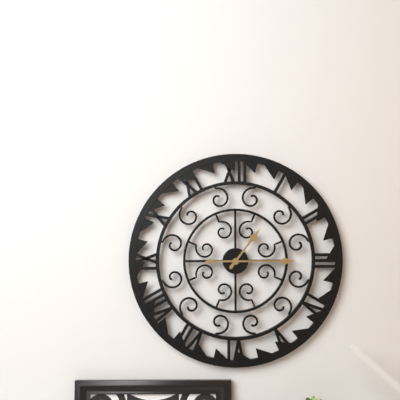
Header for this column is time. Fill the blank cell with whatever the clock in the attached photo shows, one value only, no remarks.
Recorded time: 1:15
